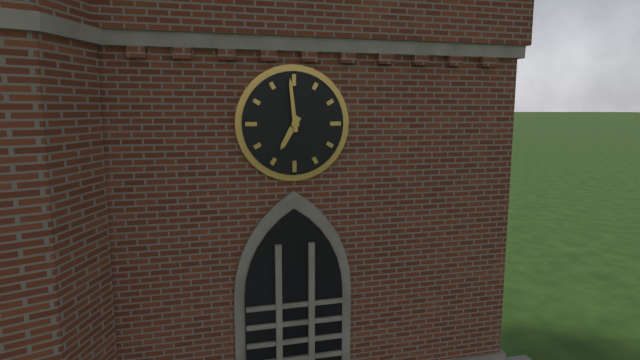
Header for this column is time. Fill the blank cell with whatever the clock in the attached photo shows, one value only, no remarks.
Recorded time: 6:59
